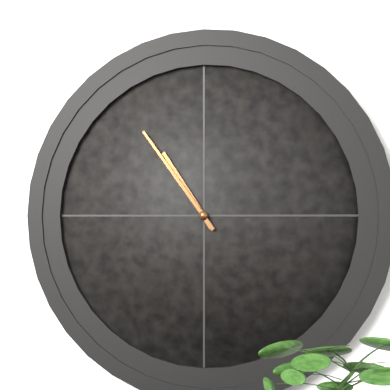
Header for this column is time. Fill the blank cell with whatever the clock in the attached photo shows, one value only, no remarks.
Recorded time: 10:54
